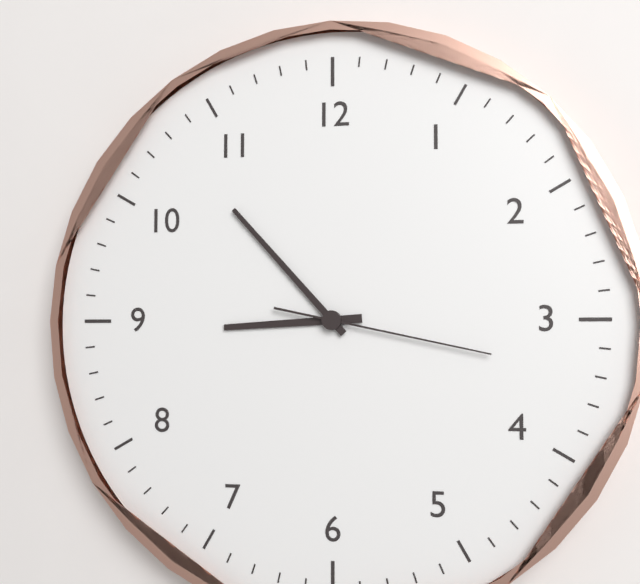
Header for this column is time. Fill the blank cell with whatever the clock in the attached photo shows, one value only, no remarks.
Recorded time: 8:53:17
